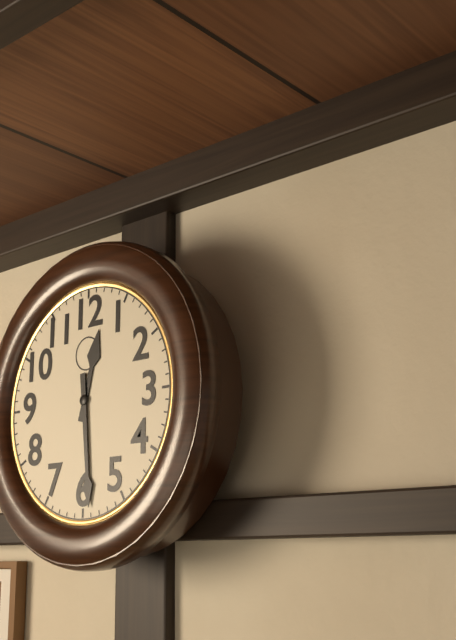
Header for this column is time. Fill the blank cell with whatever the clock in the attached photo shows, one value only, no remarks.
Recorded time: 12:29
